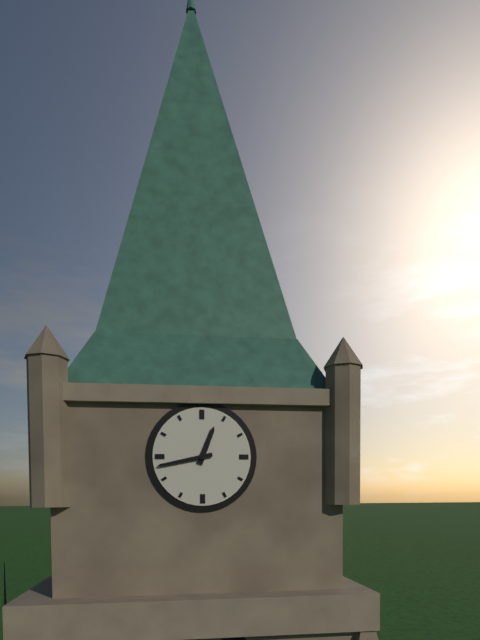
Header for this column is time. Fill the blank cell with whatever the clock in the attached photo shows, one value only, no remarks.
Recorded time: 12:43
